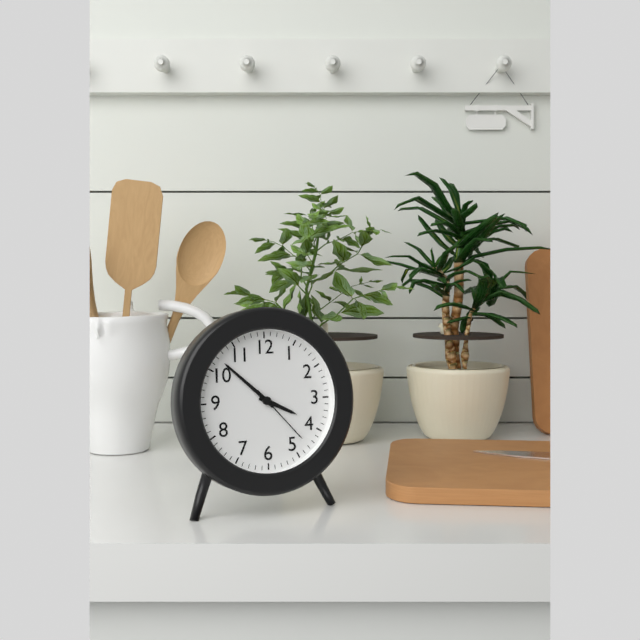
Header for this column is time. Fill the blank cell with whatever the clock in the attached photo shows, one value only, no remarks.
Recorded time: 3:52:23
